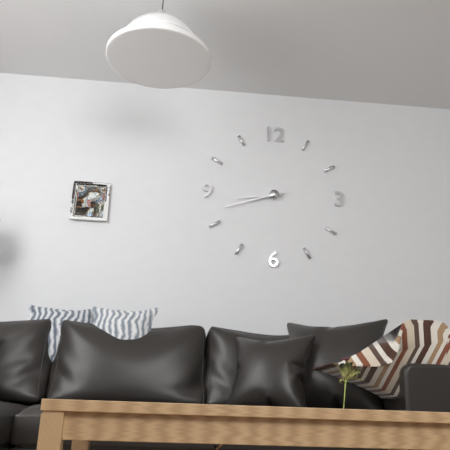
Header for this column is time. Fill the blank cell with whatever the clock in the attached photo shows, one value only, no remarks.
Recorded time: 8:42
